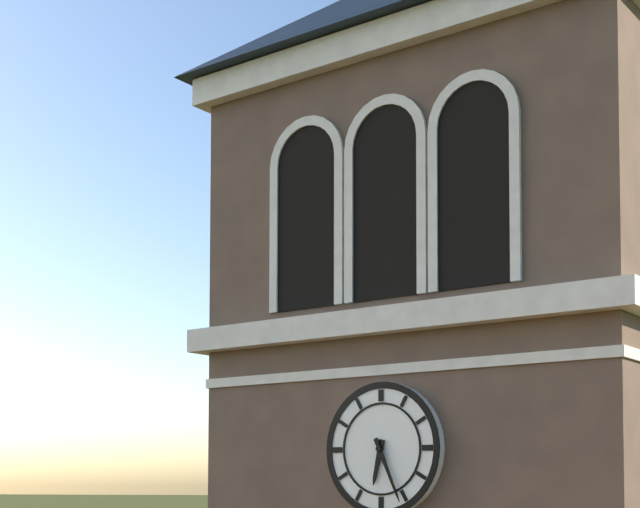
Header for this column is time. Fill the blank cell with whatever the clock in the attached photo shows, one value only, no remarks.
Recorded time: 6:26
